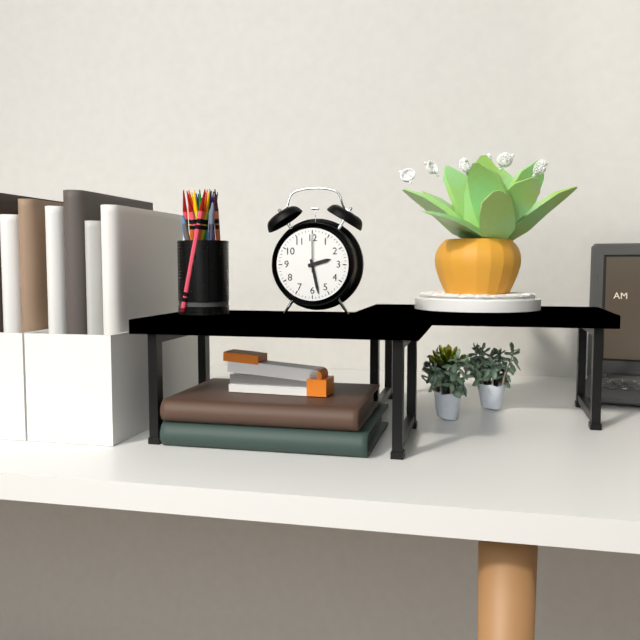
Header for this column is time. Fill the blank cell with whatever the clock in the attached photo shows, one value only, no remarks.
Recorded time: 2:28
